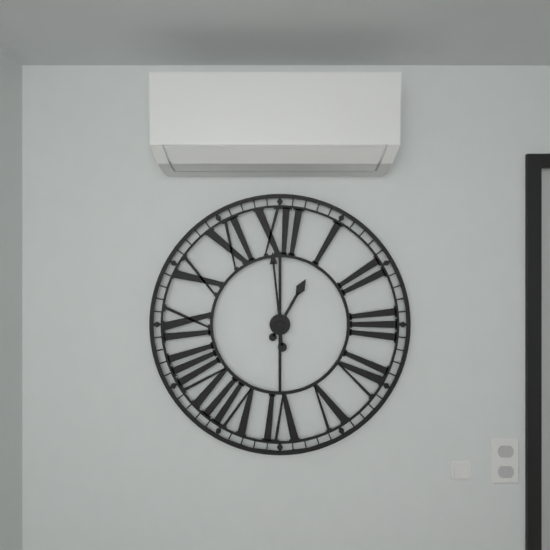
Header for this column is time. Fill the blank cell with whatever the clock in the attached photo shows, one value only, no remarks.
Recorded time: 12:59
